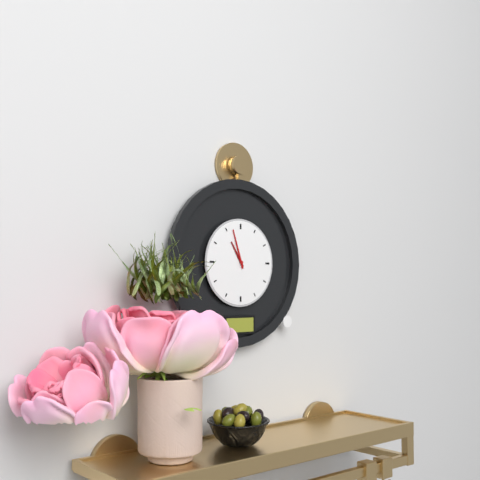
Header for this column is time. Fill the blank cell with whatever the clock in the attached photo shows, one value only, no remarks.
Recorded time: 10:57
